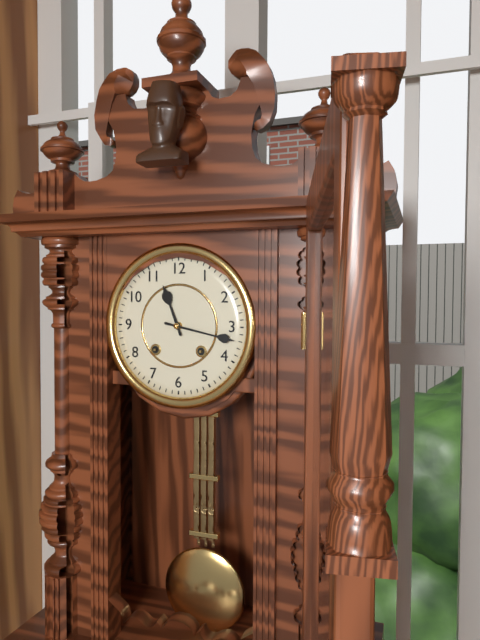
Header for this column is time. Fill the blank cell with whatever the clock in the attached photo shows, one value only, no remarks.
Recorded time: 11:17
